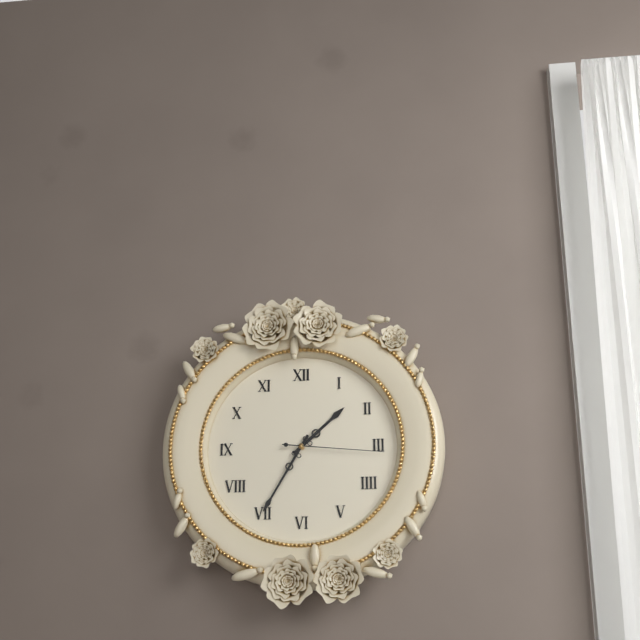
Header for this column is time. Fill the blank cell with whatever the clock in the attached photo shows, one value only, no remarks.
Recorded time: 1:35:16
